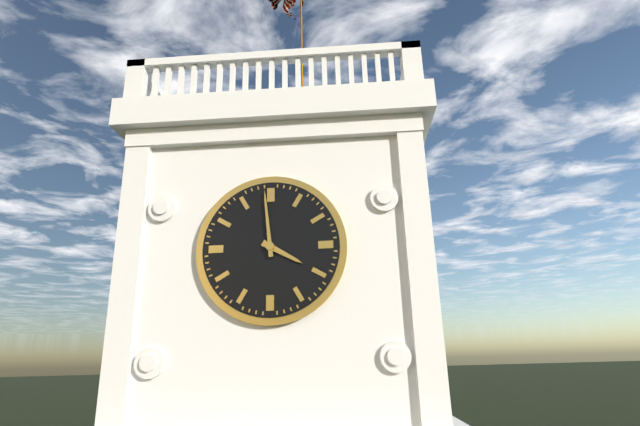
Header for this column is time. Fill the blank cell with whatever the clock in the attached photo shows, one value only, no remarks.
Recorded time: 3:59
